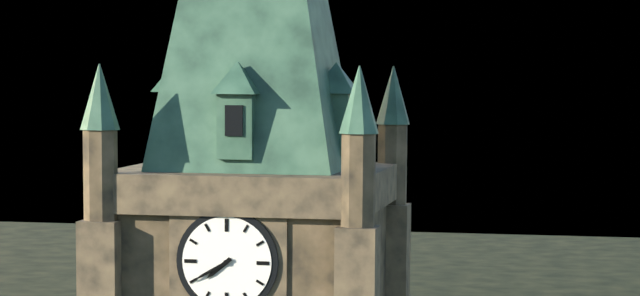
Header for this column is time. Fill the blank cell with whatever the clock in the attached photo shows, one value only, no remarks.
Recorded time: 7:40
